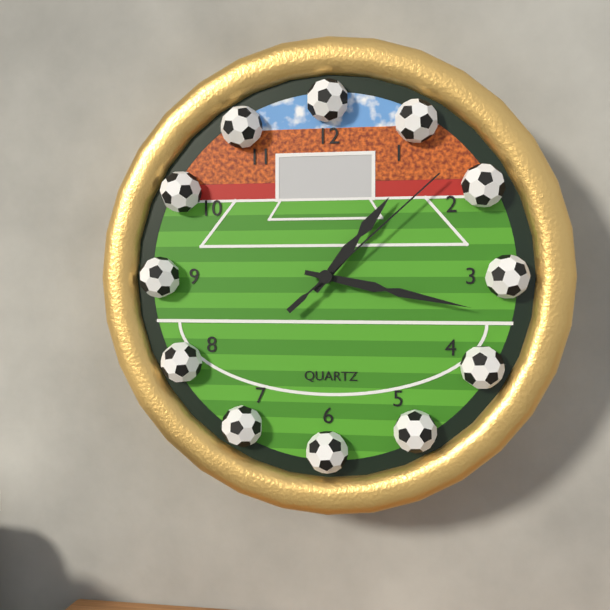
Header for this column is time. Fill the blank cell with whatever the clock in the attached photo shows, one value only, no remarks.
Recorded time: 1:17:08
